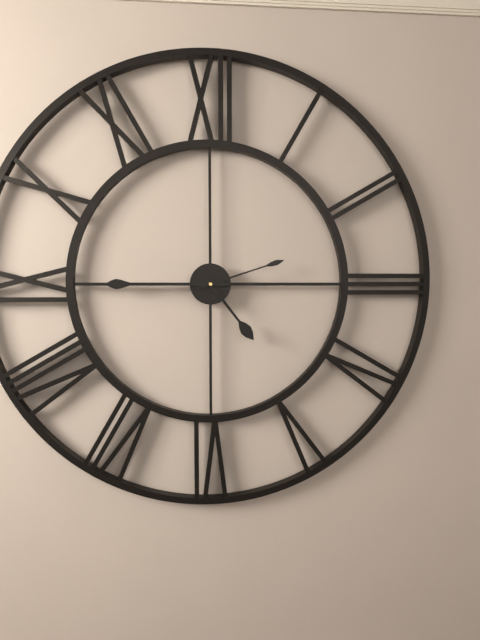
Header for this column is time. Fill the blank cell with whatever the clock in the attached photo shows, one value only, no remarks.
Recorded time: 4:45:12
